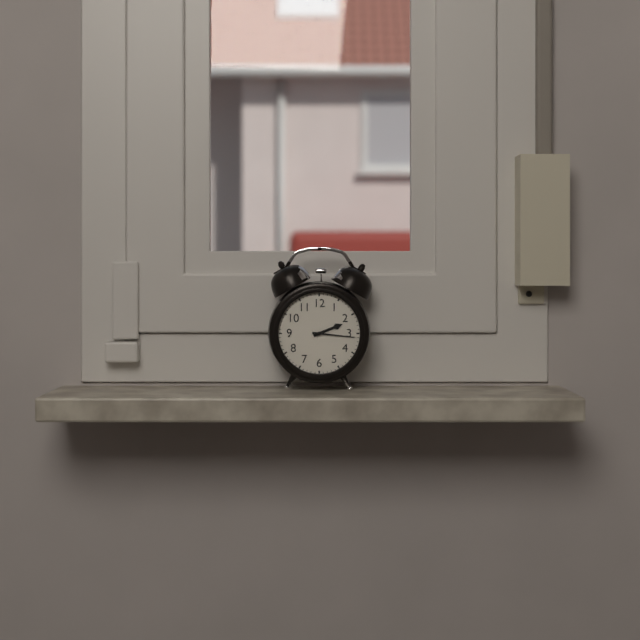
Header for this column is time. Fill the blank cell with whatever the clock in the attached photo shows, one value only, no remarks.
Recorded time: 2:16
